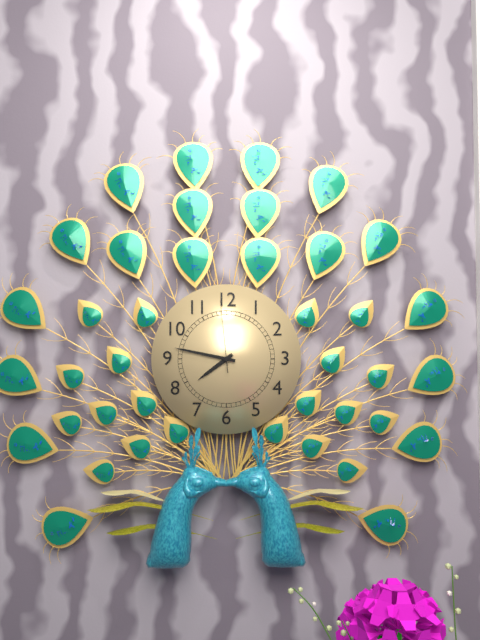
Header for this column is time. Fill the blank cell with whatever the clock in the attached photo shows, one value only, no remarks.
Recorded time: 7:47:59
